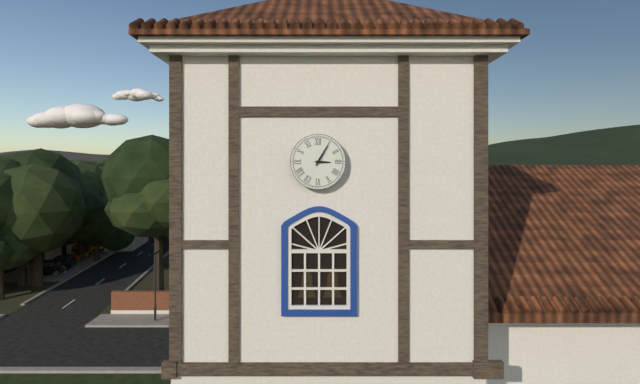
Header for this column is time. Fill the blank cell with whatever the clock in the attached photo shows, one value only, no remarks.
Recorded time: 3:05
